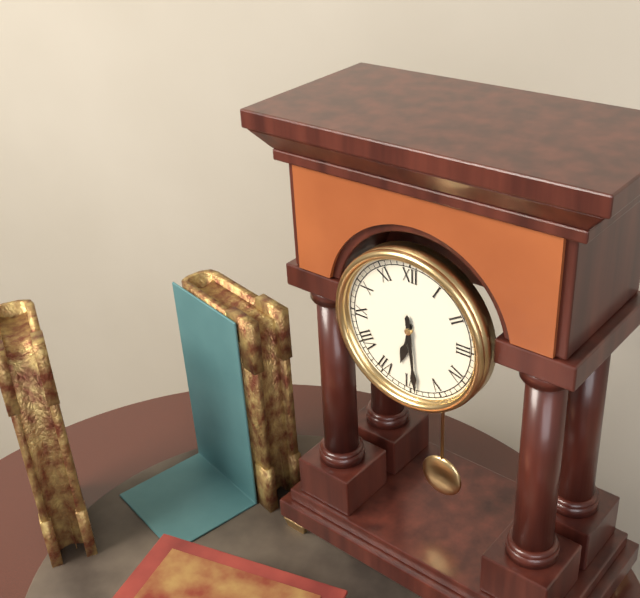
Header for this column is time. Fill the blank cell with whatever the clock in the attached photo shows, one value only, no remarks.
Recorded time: 6:29
